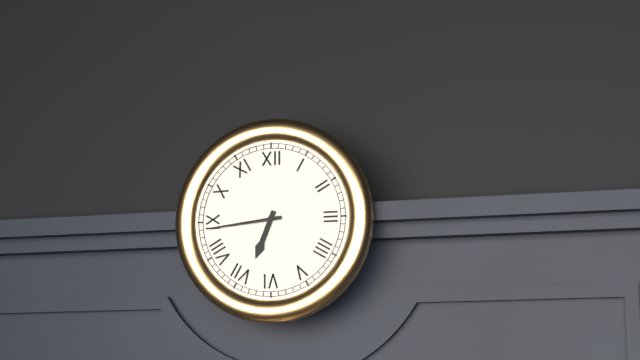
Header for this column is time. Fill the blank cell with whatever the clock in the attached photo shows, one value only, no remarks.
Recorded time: 6:44
